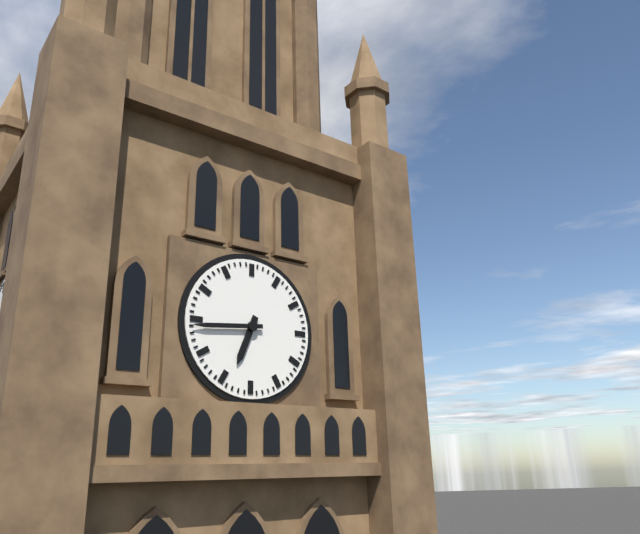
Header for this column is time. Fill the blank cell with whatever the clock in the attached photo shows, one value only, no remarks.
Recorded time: 6:44
